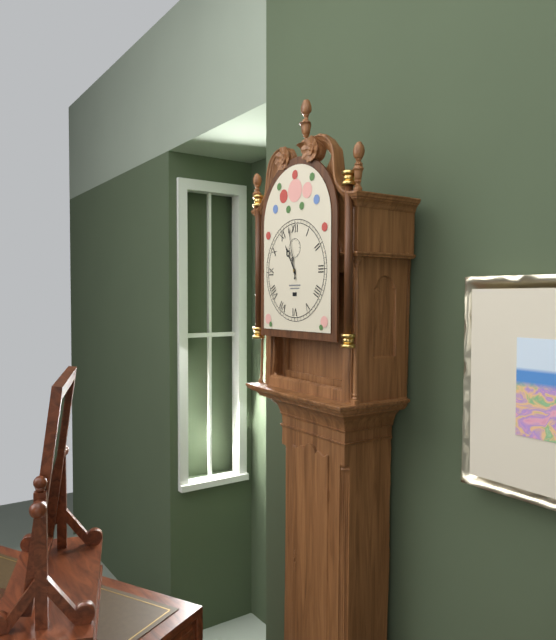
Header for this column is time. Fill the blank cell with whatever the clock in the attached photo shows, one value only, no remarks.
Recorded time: 10:58
